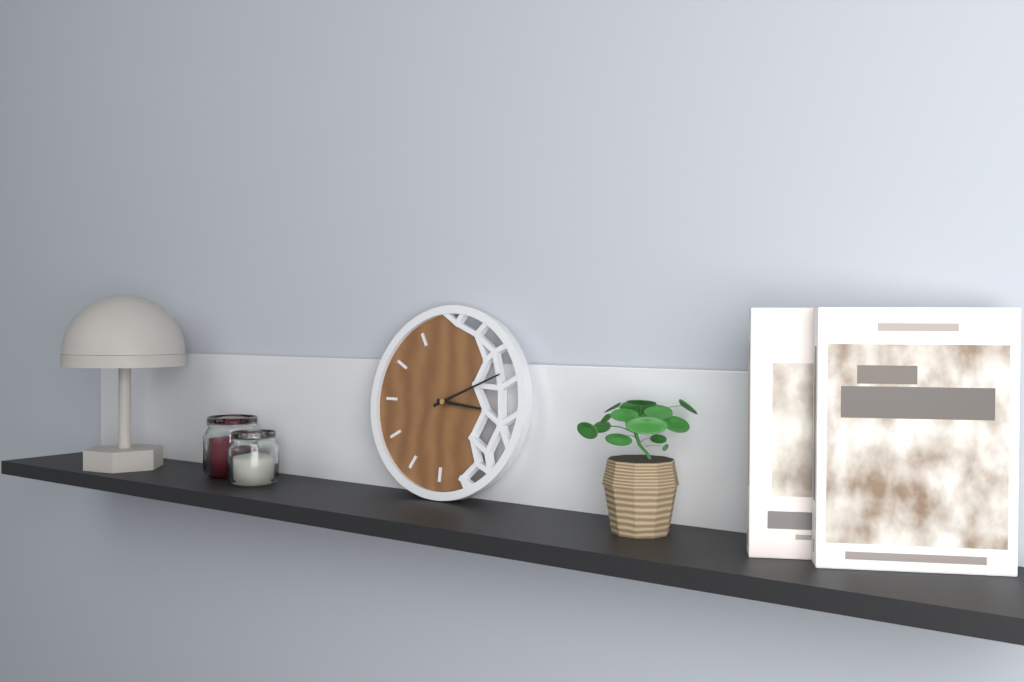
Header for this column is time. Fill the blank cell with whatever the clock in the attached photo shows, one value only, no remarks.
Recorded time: 3:11
